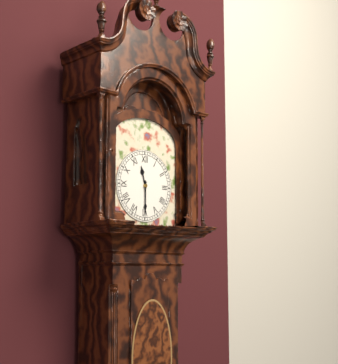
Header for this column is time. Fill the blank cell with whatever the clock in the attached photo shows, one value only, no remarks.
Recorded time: 11:30
